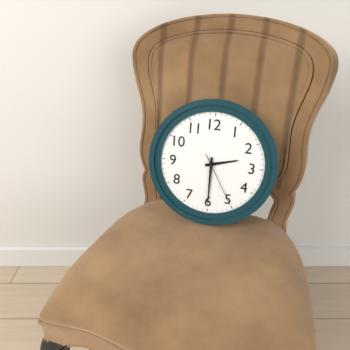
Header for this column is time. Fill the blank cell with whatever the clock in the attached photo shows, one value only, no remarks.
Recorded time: 2:30:25
